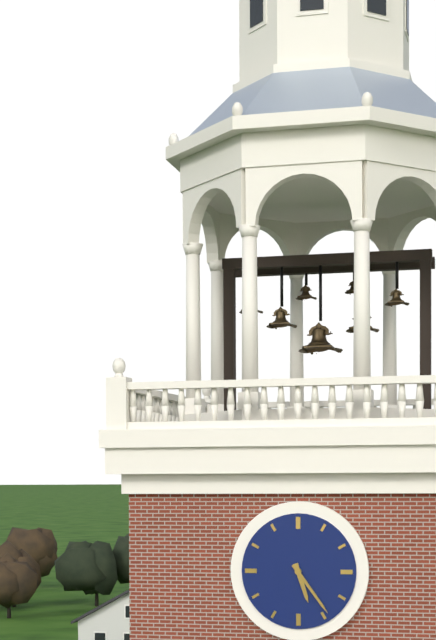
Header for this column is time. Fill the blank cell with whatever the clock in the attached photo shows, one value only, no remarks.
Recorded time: 5:24
